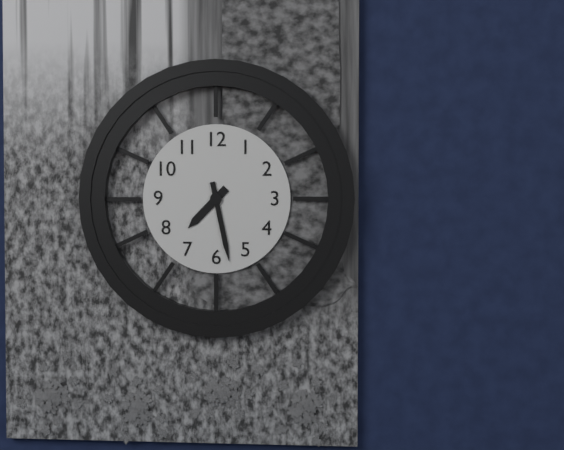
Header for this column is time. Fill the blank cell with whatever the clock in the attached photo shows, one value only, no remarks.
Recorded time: 7:28
